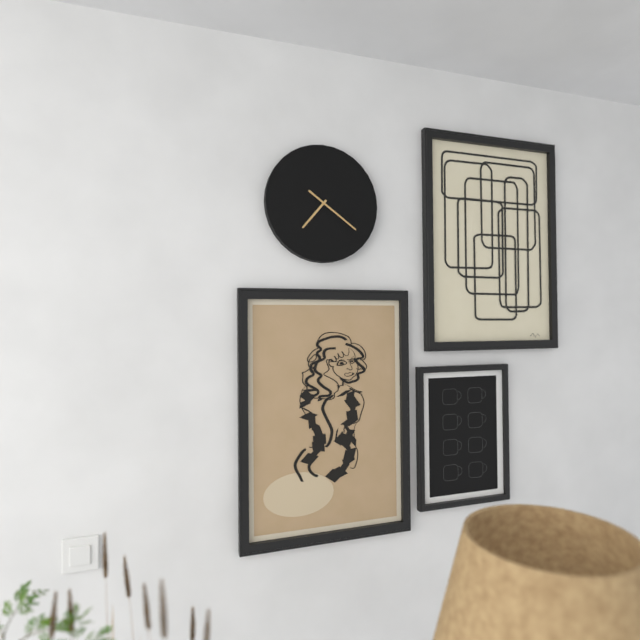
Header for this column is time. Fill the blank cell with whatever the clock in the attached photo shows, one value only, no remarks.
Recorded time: 7:21
